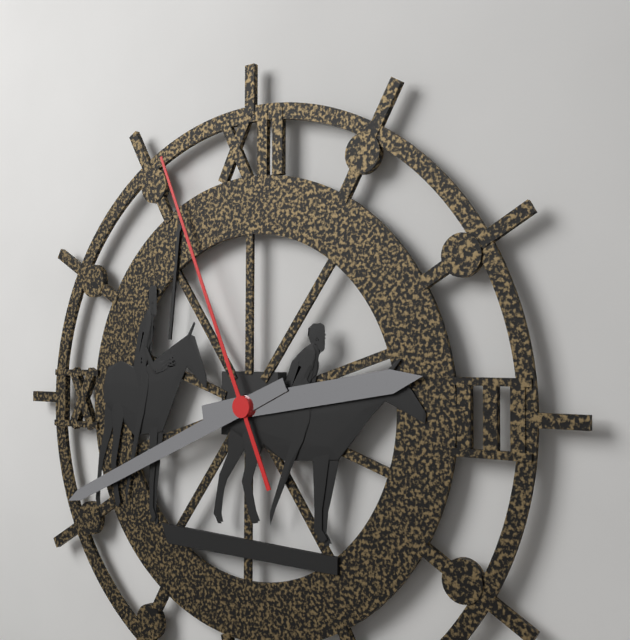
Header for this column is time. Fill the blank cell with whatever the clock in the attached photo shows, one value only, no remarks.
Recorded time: 2:41:56
